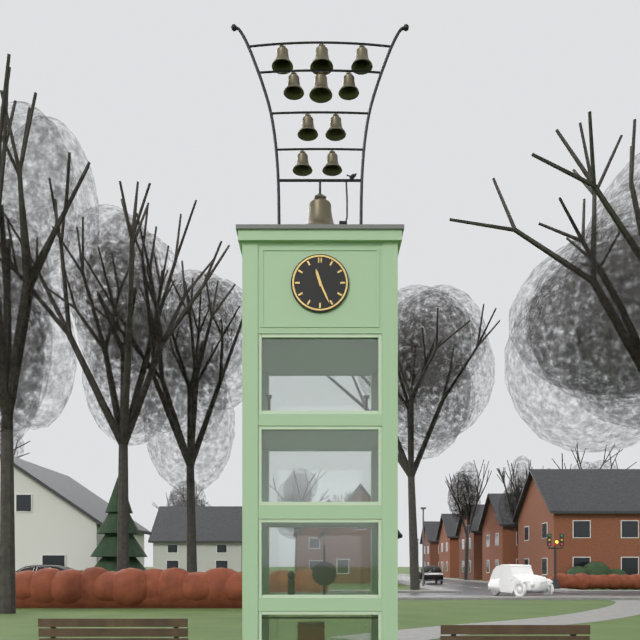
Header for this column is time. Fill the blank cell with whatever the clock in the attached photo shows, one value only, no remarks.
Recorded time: 11:26
